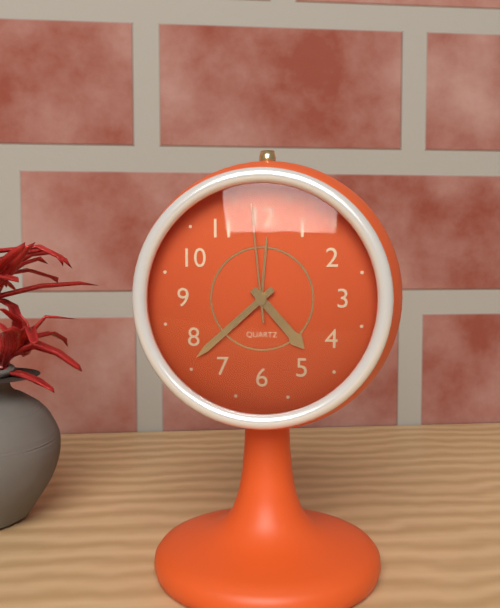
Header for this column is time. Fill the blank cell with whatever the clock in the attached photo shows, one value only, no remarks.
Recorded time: 4:38:59
